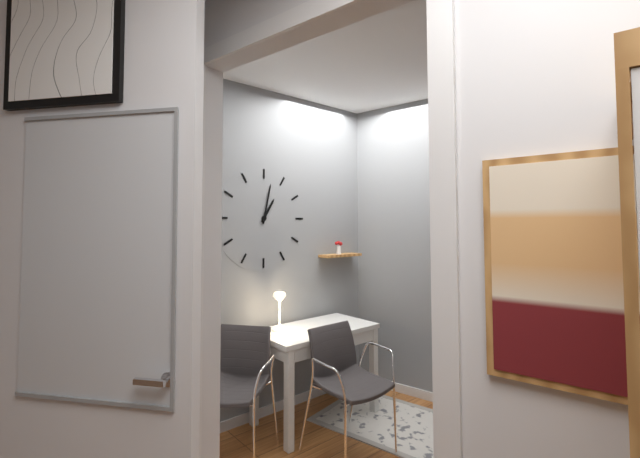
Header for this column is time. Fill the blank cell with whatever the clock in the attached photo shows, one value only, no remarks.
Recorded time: 1:02
